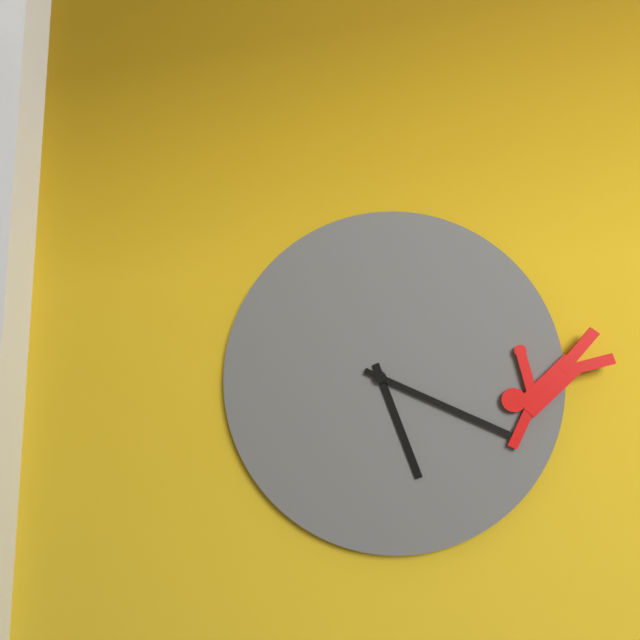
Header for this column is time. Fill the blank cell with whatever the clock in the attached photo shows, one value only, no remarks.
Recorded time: 5:19
